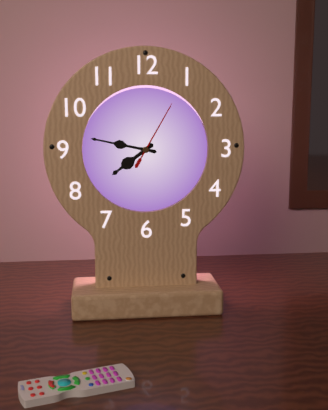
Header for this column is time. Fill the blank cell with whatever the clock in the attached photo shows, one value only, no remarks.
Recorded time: 7:47:05
